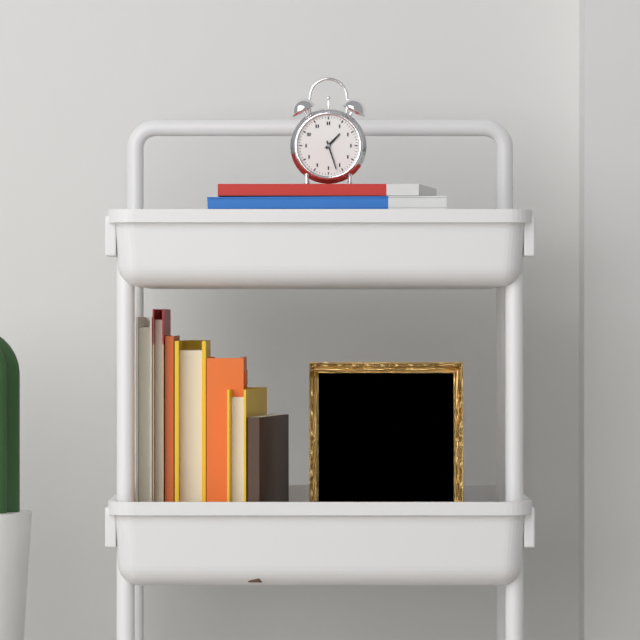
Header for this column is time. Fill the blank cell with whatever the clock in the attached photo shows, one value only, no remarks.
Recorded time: 1:27
